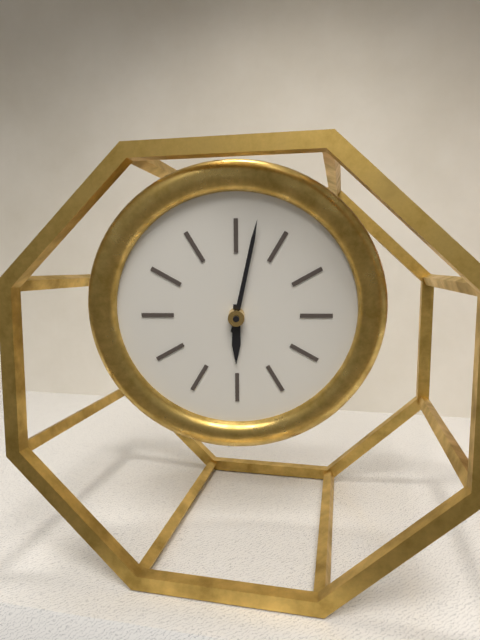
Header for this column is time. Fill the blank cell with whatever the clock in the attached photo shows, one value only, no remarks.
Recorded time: 6:02
